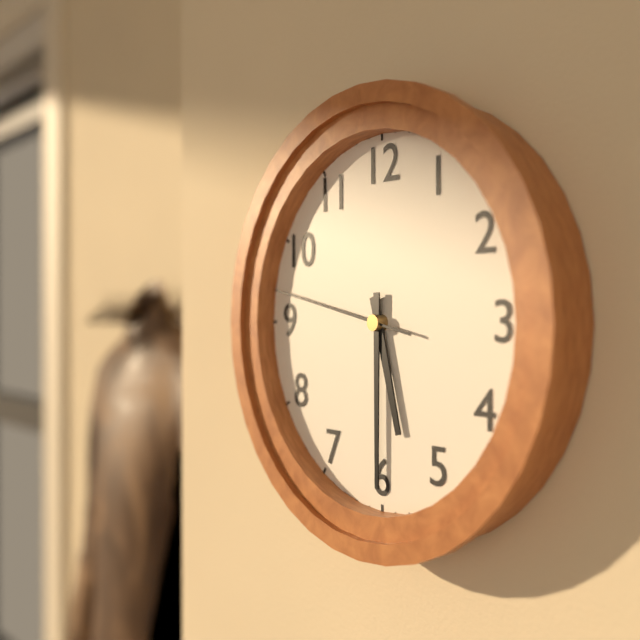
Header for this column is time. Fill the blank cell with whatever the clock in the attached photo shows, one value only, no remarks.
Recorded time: 5:30:47
